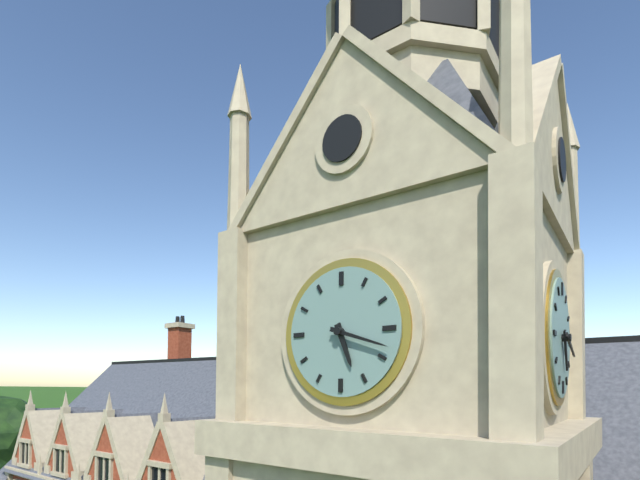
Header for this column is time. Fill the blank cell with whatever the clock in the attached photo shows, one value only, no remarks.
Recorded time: 5:18
